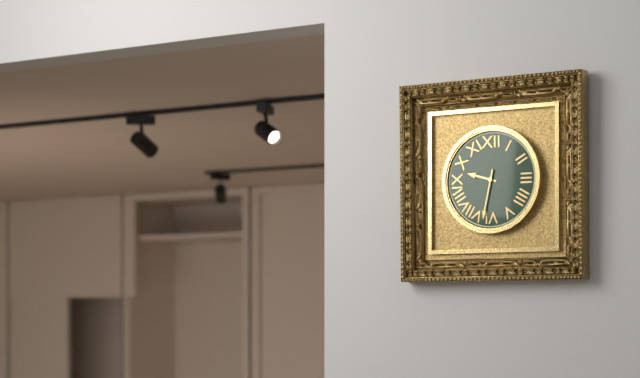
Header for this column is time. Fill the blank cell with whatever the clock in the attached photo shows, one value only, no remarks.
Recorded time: 9:32
